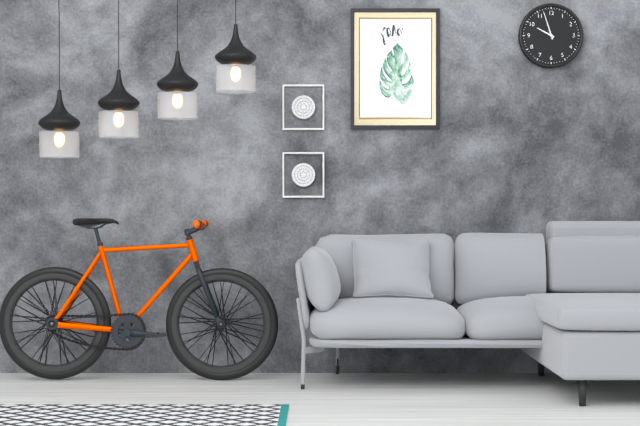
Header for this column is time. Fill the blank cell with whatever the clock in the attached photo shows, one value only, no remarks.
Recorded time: 9:57
